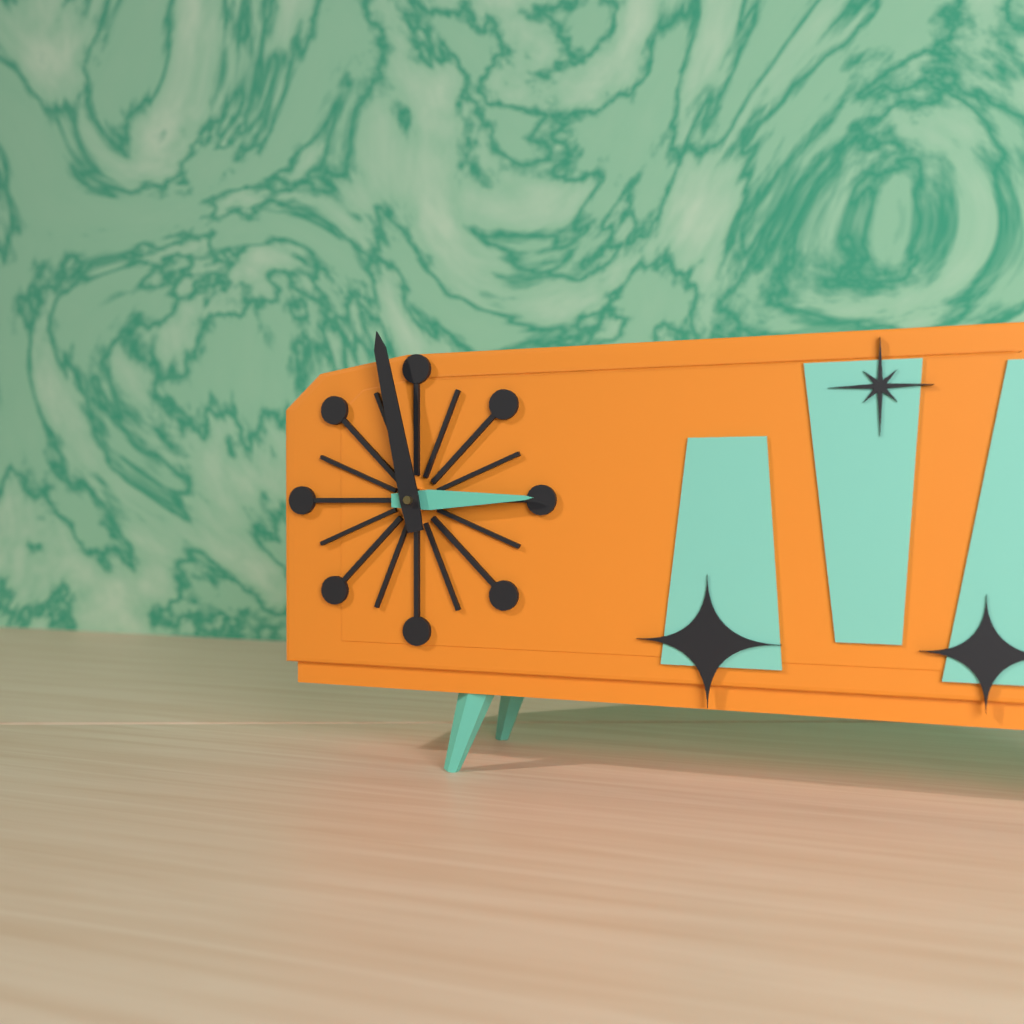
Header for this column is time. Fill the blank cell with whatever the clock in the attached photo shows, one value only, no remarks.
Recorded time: 2:58
